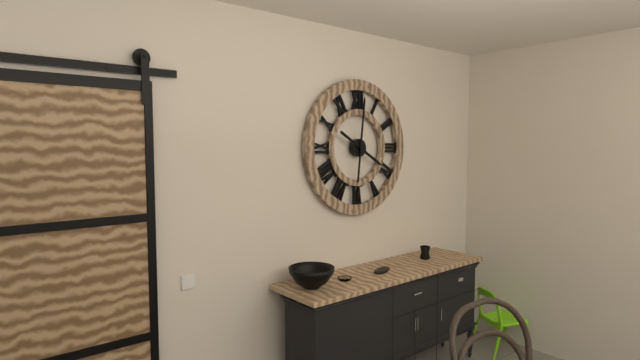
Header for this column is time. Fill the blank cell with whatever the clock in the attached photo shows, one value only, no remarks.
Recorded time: 4:01
